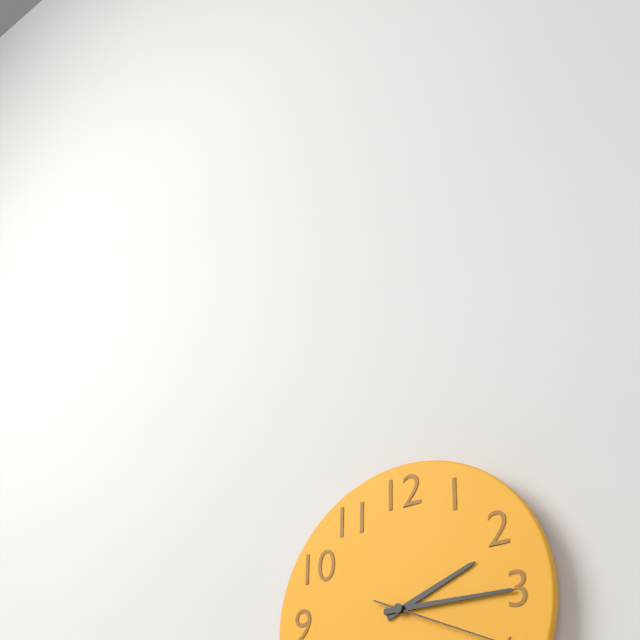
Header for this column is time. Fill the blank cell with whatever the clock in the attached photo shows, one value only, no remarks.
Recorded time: 2:15
